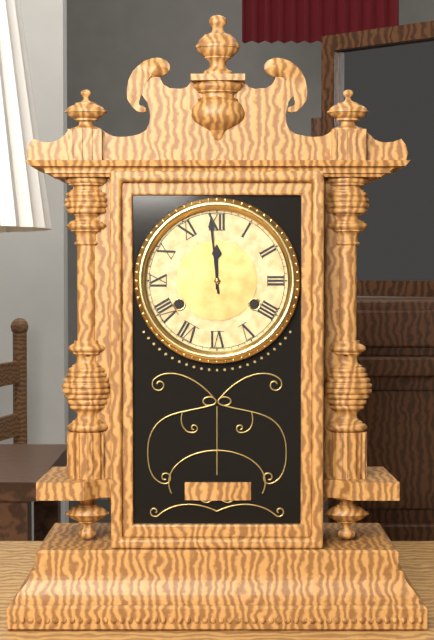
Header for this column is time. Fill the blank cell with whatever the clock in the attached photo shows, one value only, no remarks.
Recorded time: 11:59
